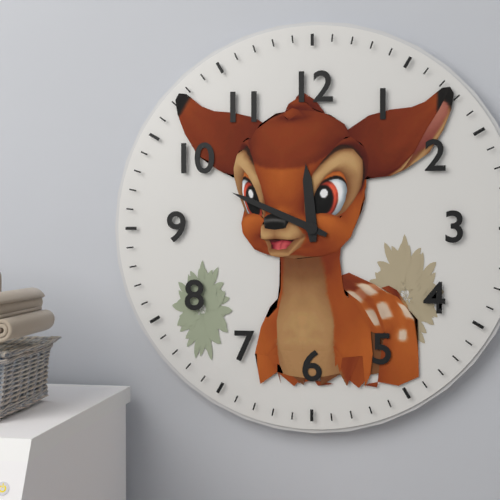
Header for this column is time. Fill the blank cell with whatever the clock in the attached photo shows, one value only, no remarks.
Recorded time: 11:49
